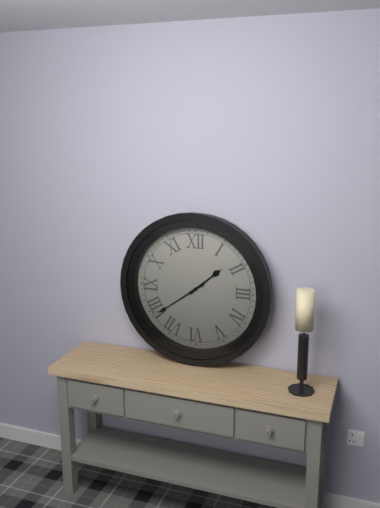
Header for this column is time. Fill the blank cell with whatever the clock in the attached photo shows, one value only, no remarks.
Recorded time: 1:39
